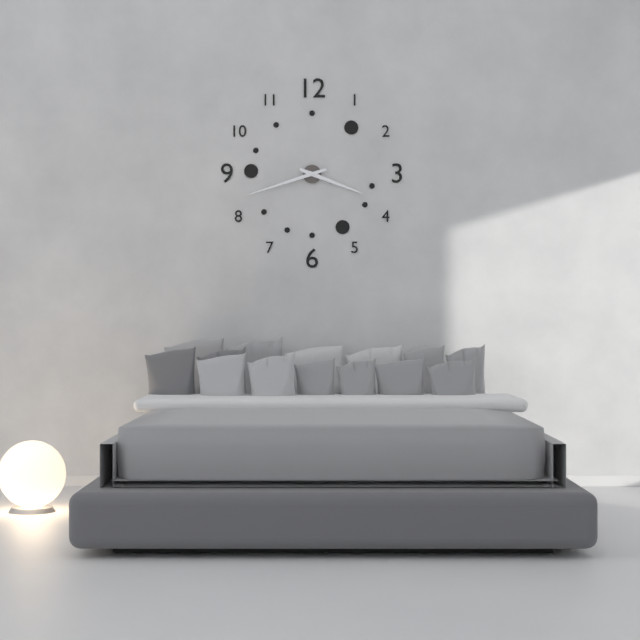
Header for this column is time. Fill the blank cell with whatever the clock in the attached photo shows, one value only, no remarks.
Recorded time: 3:42
